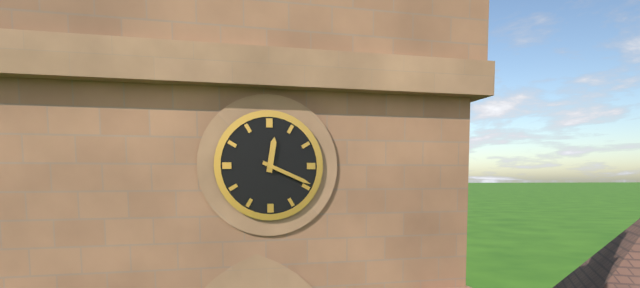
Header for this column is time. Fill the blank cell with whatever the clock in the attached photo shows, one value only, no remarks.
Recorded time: 12:19
